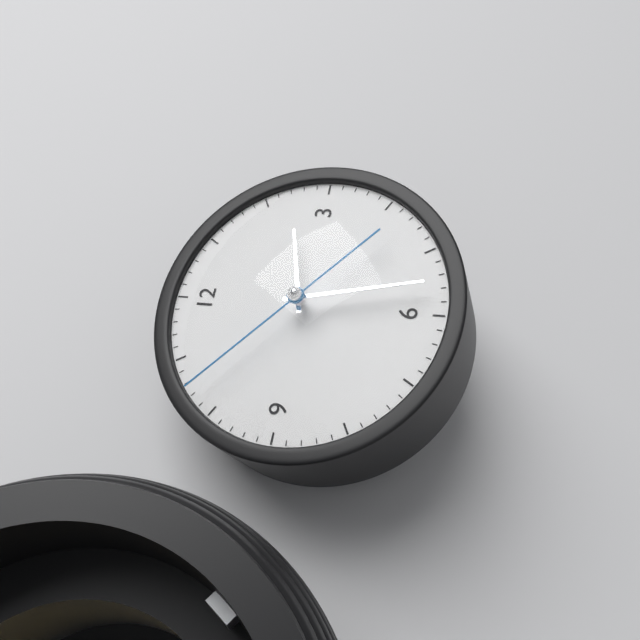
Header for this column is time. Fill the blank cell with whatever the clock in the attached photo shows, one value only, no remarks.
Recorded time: 2:28:52
